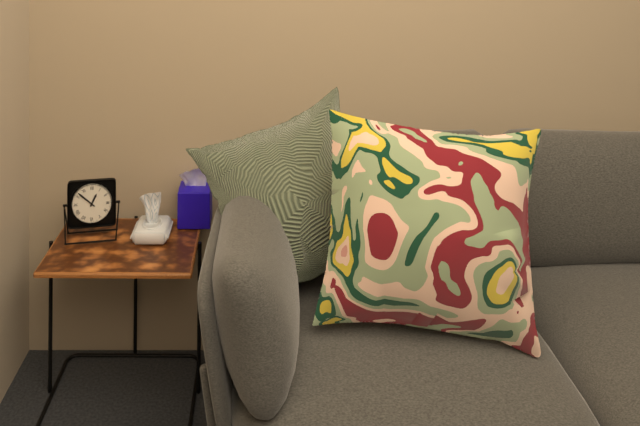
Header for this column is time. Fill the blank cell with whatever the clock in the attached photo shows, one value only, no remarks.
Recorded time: 12:52
